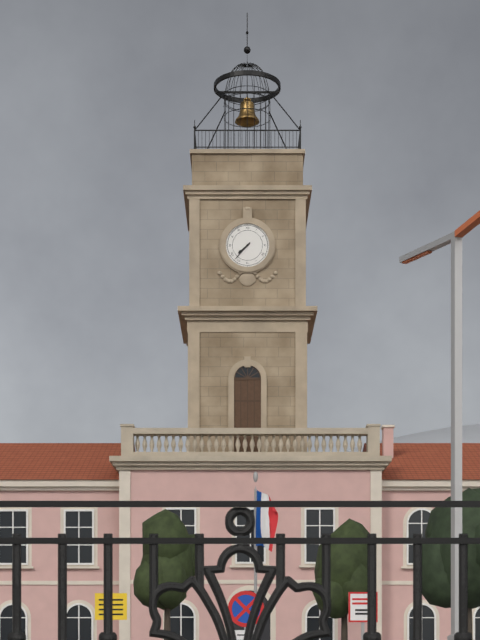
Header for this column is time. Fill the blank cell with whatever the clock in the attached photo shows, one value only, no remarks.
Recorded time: 7:37
